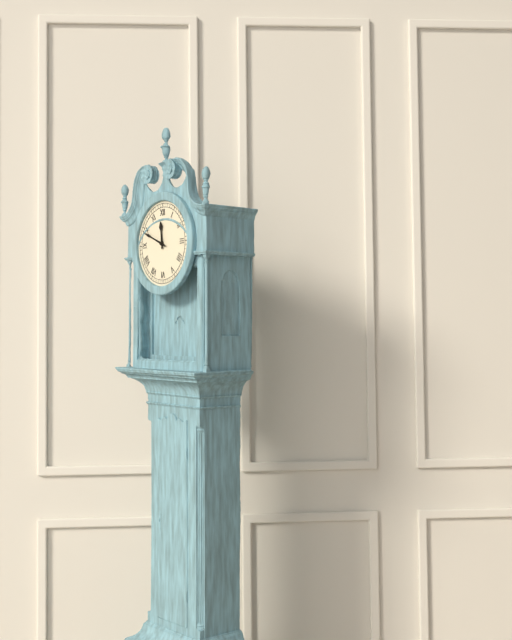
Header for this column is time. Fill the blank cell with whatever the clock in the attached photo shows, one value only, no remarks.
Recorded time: 11:49
